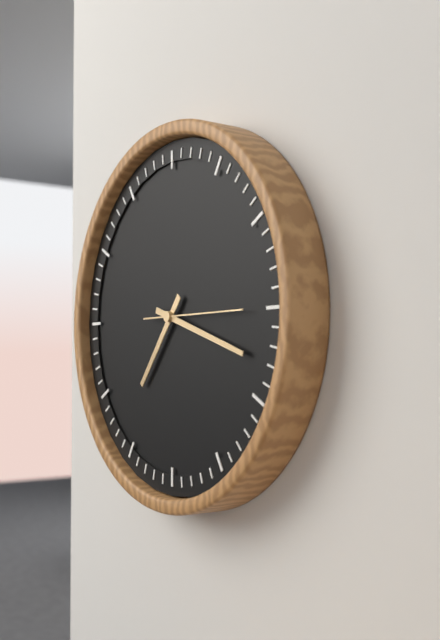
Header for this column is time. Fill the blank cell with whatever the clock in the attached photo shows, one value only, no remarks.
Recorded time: 7:18:15
